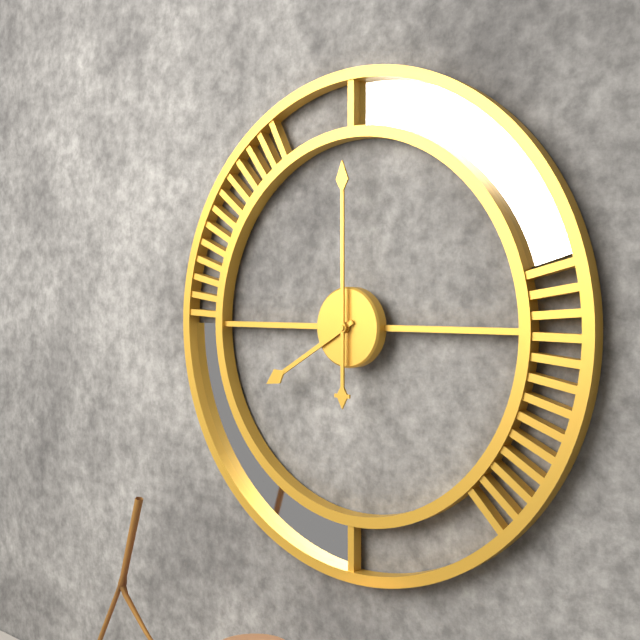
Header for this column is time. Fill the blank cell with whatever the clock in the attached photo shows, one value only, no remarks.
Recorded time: 8:00
